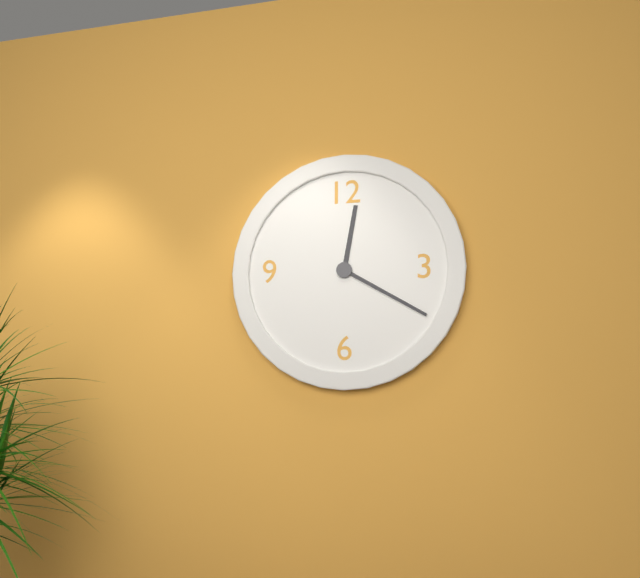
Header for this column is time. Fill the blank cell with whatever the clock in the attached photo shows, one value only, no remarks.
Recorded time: 12:20
